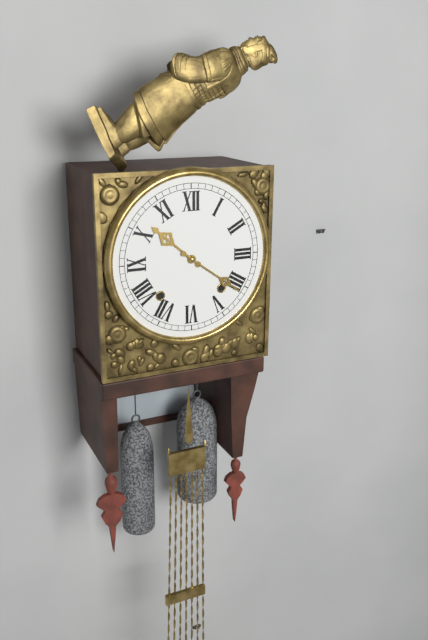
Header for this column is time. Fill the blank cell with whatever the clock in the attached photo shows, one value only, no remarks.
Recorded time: 10:21
